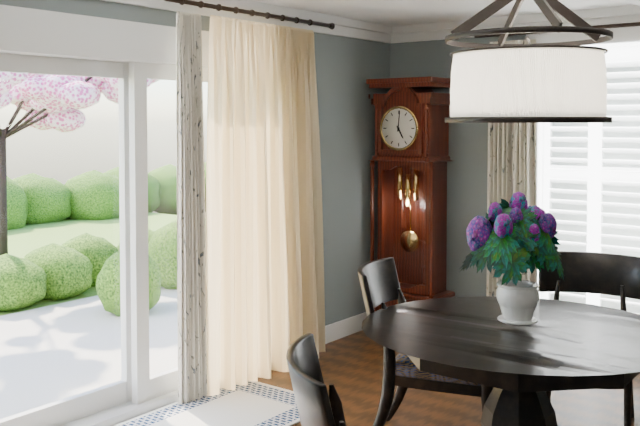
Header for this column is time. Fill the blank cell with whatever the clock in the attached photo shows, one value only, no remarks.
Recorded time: 5:01
